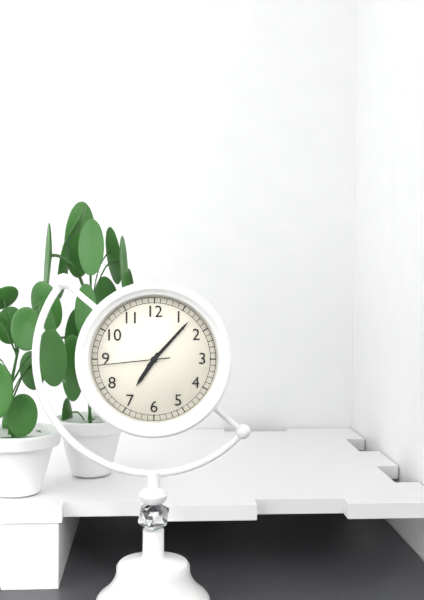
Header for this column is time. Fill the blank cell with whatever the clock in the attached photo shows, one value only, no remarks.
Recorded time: 7:07:44
